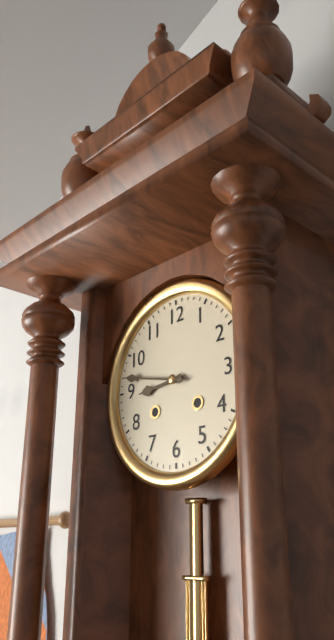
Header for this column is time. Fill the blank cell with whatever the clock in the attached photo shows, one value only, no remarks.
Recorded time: 8:47
